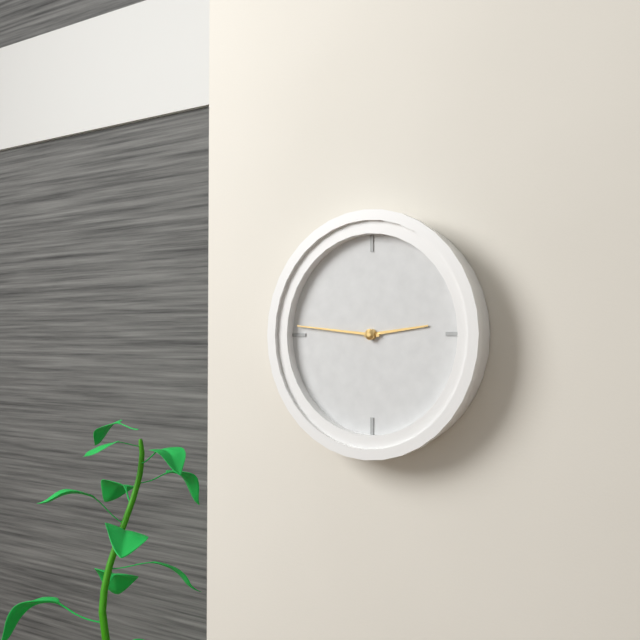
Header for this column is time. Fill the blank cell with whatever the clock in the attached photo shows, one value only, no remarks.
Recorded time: 2:46
